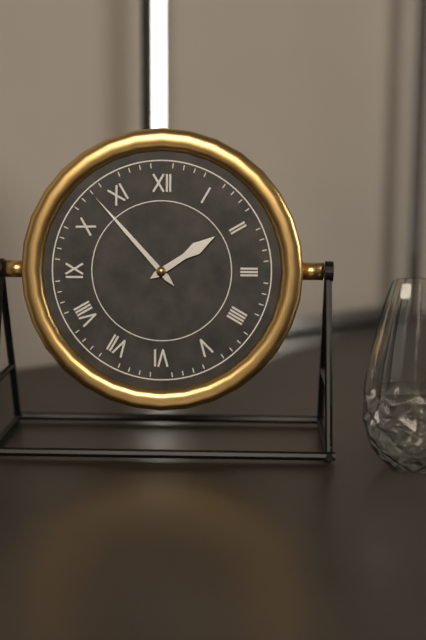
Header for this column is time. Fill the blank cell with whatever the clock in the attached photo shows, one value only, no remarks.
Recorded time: 1:53
